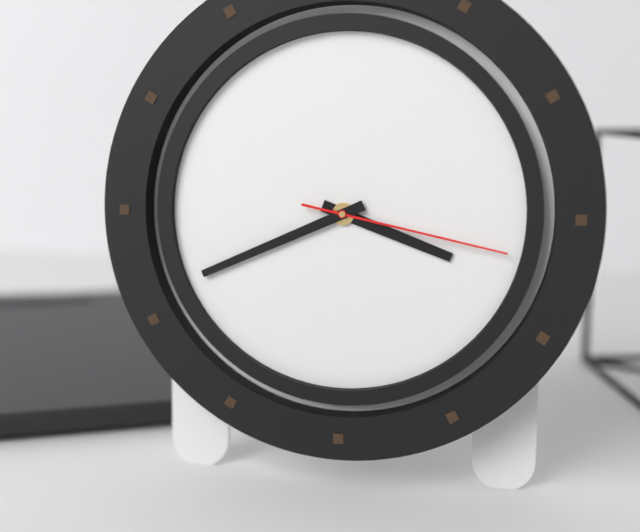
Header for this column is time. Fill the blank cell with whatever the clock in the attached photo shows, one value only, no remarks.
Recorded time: 3:41:17
